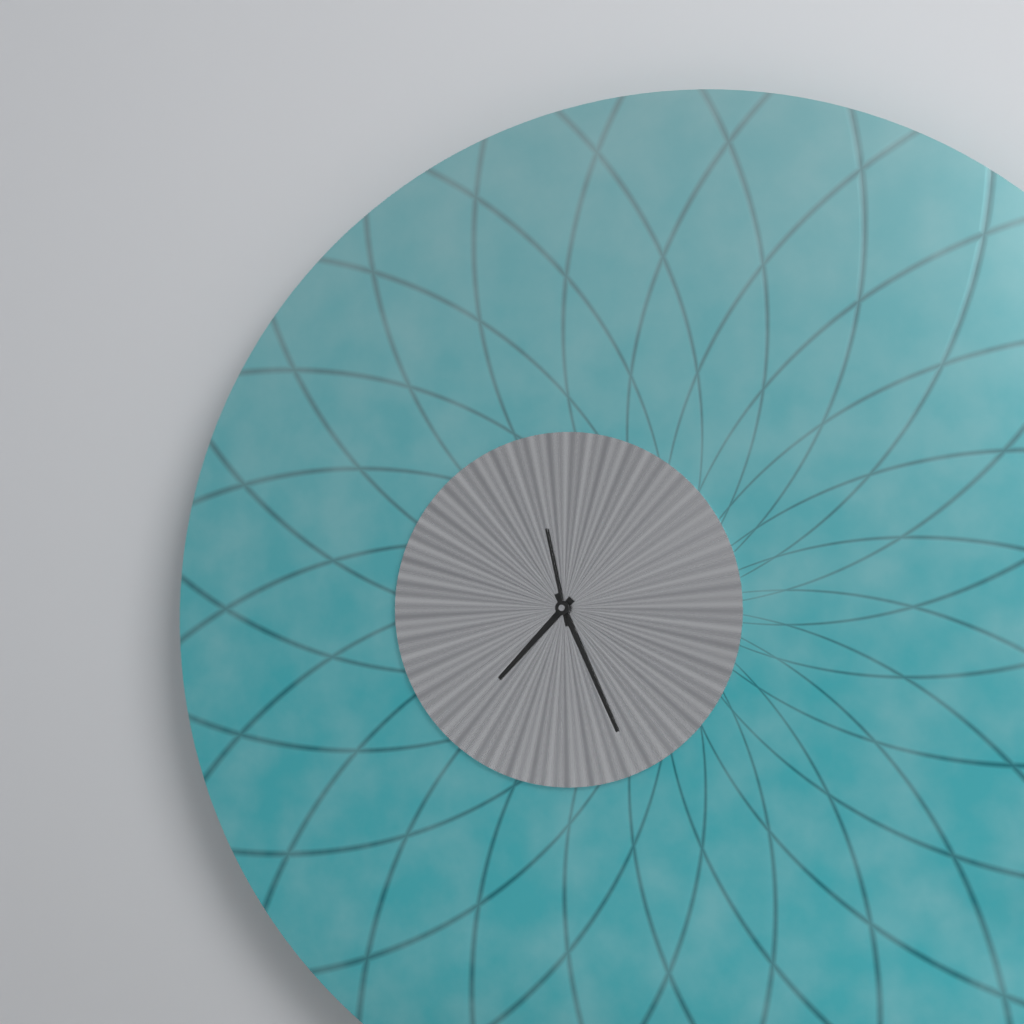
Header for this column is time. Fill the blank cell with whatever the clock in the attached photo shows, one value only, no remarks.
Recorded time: 7:26:58
